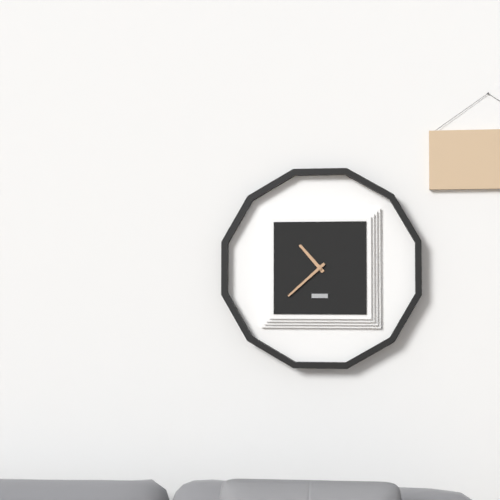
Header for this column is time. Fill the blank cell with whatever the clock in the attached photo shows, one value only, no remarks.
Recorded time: 10:38
